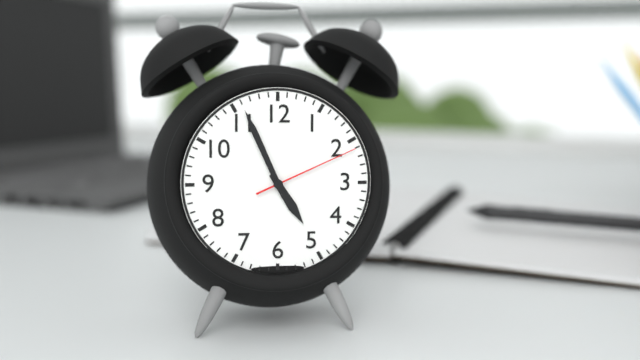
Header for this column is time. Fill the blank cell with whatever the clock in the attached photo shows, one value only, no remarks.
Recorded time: 4:56:11
